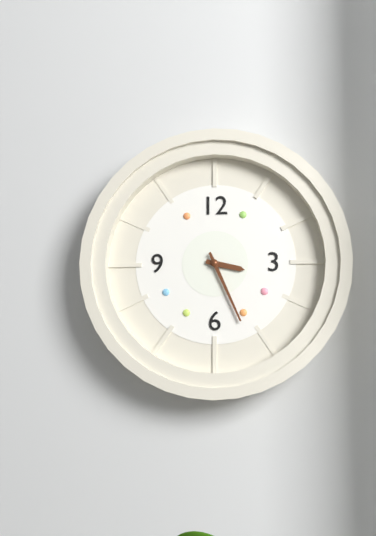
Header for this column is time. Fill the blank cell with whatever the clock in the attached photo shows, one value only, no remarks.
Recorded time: 3:26
